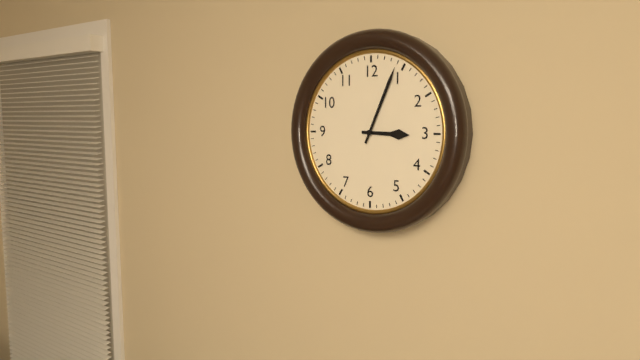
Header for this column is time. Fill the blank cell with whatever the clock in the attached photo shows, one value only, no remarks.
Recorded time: 3:04
